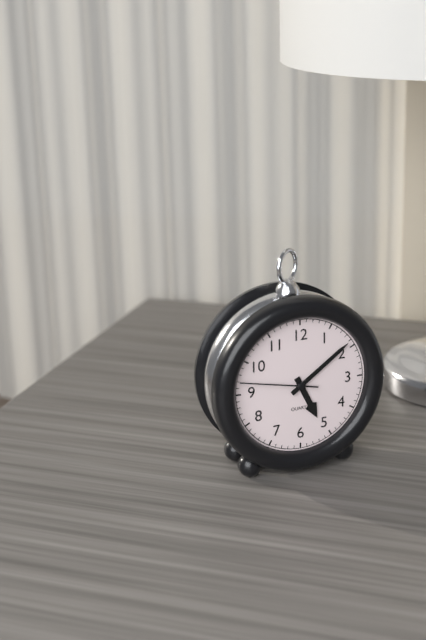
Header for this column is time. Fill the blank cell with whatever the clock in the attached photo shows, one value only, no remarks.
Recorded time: 5:09:47
